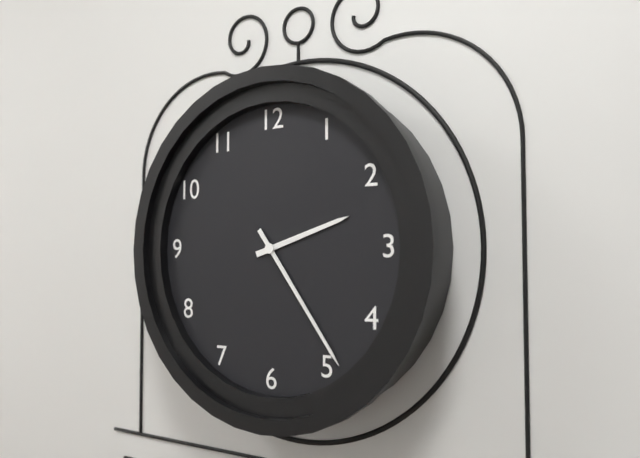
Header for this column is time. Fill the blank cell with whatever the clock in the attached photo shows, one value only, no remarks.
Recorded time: 2:24
